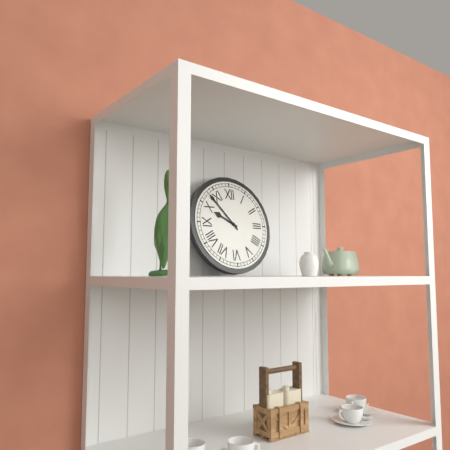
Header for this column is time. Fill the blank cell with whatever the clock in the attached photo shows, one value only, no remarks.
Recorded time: 9:53
